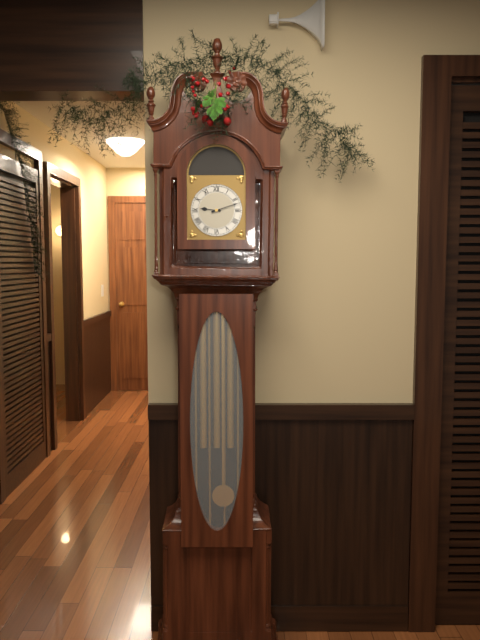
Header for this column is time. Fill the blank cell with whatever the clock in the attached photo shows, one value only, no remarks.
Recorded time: 9:12
